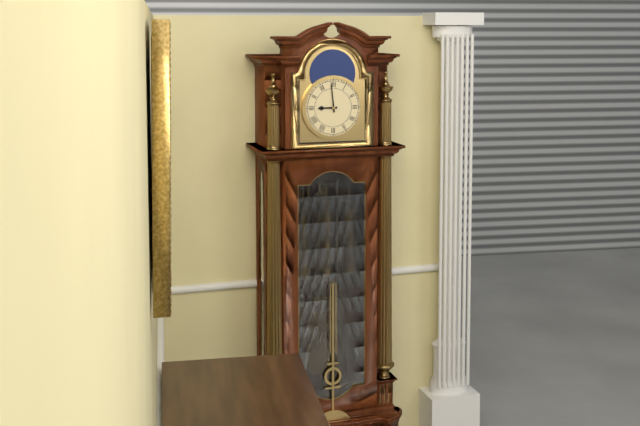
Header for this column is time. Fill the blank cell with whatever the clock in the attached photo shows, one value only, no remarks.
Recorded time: 8:59
